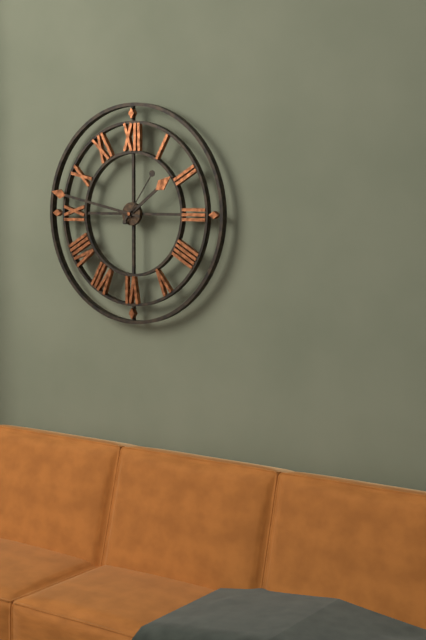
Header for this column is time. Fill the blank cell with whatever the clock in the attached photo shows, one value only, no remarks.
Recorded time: 1:47:06
